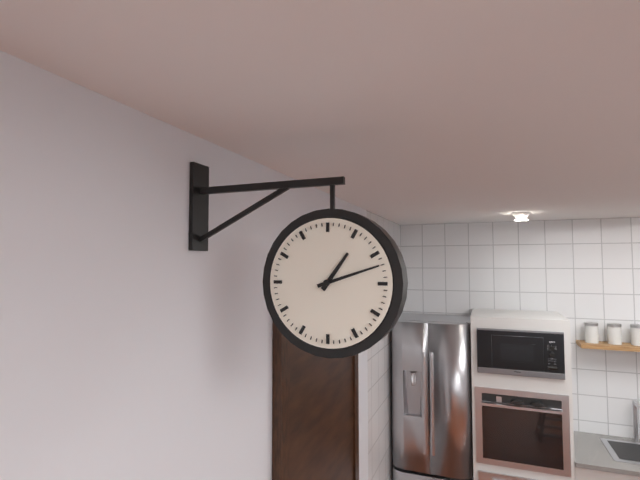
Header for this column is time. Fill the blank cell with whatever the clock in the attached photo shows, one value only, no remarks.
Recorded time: 1:12
